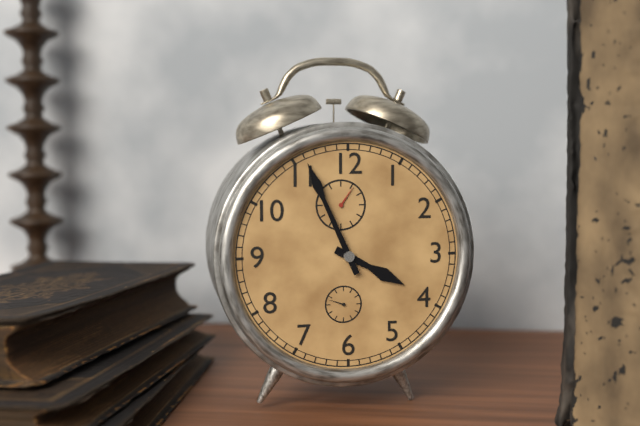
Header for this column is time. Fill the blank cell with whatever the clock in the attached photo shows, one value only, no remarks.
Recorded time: 3:56
